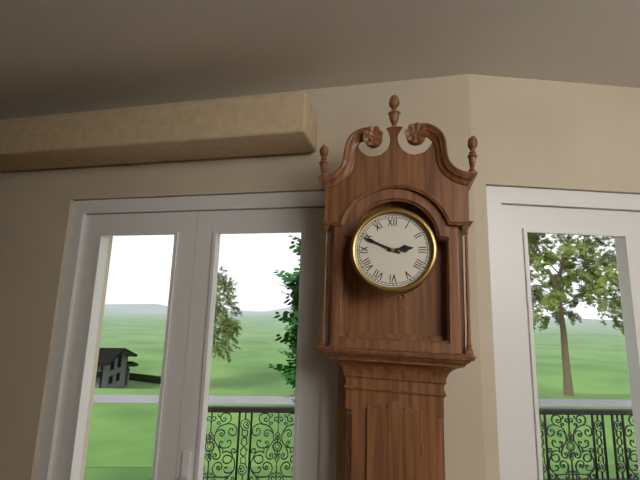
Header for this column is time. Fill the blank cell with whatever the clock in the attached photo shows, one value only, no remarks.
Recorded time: 2:49
